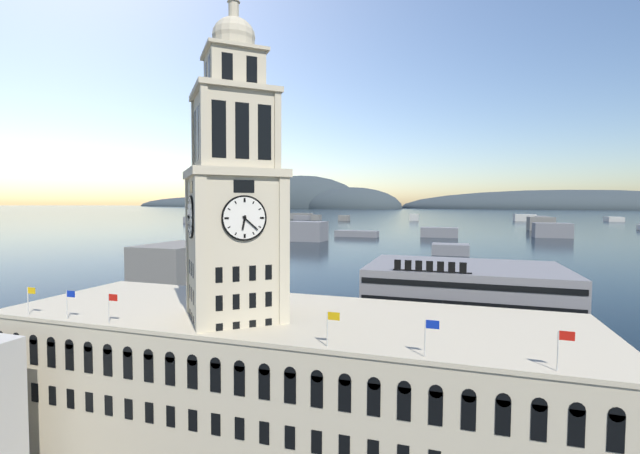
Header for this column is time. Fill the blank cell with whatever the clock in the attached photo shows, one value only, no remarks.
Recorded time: 6:22
